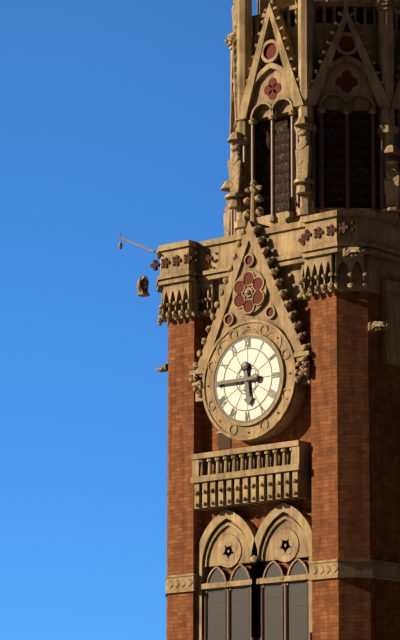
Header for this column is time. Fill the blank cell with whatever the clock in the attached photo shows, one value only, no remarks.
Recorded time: 5:45
